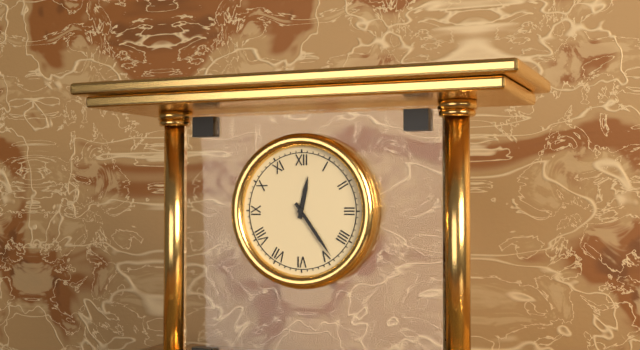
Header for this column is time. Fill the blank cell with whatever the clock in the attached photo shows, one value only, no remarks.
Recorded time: 12:24
